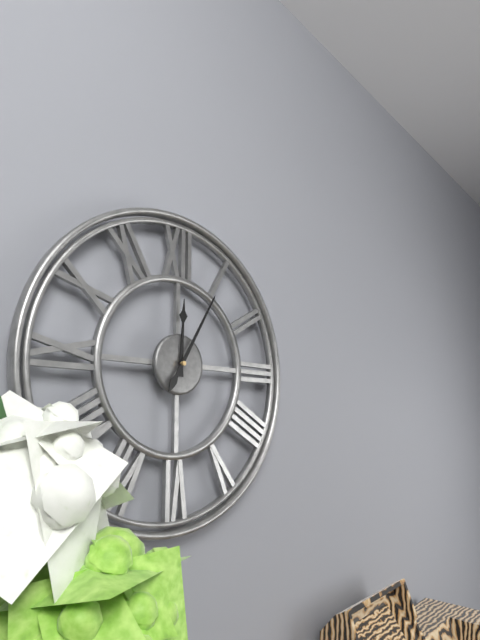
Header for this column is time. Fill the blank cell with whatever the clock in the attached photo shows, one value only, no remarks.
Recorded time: 12:05
